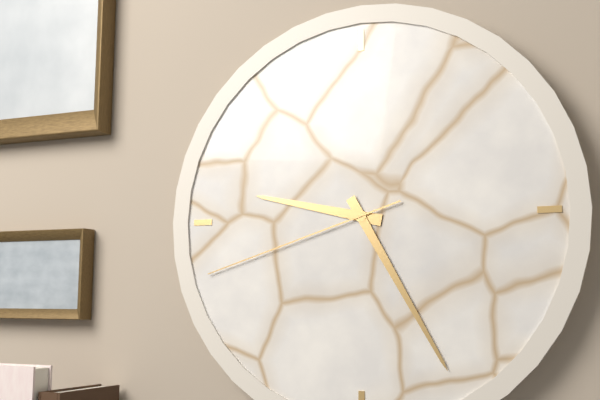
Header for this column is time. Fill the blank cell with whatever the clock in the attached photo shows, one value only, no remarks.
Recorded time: 9:25:42
